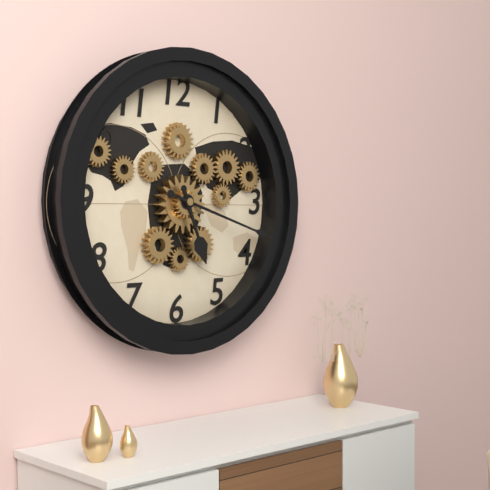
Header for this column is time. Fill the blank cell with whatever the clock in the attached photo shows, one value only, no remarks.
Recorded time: 5:18
